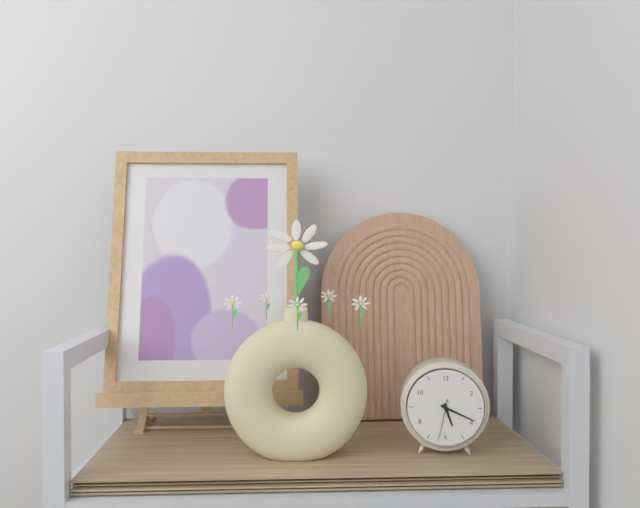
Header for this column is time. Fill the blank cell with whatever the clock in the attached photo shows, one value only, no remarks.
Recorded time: 5:19
